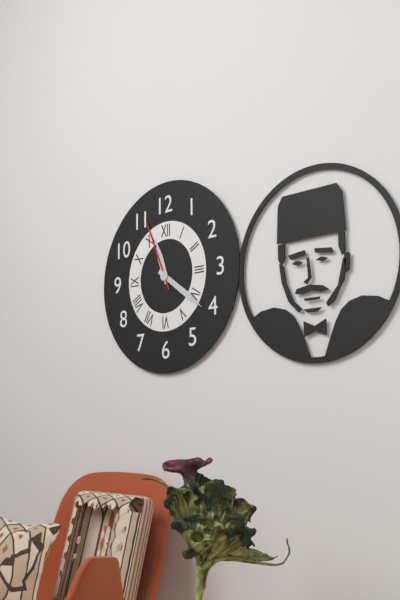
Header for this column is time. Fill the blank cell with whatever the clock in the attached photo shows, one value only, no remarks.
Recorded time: 11:21:56
